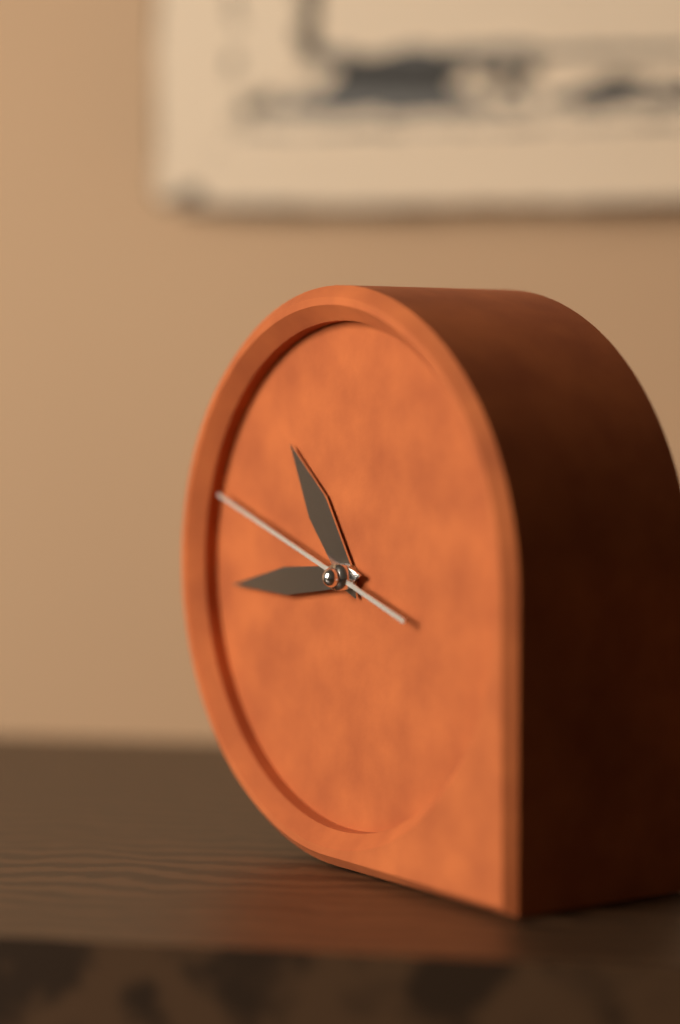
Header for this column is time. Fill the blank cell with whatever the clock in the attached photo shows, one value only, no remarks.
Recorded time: 10:44:48
